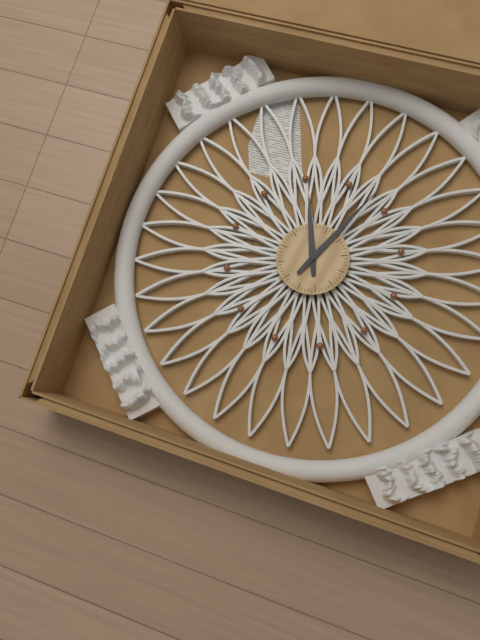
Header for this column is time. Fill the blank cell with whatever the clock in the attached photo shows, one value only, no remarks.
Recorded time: 11:03
